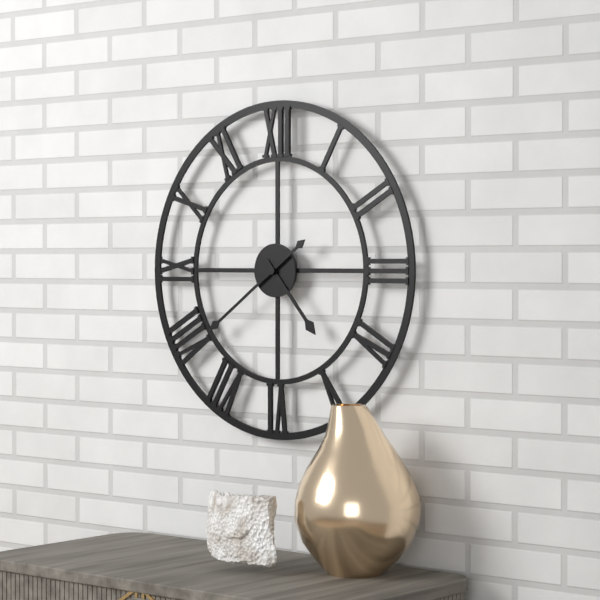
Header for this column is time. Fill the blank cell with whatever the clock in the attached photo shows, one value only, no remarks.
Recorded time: 4:39
